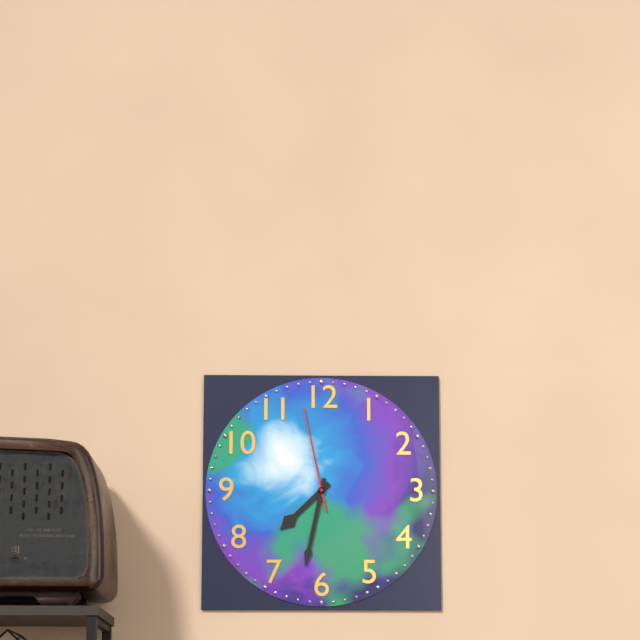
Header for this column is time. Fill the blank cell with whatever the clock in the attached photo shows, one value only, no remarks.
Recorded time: 7:32:58
